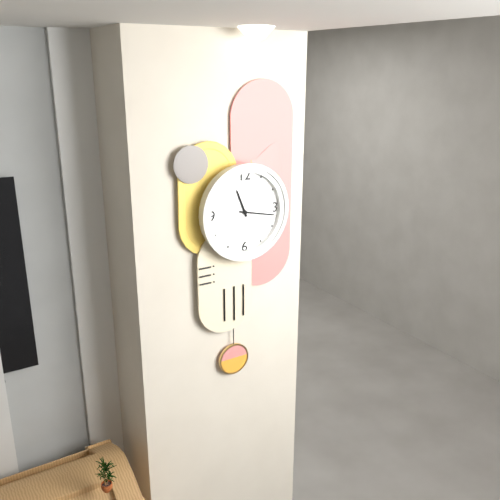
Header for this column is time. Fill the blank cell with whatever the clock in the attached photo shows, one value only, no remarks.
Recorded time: 11:17
